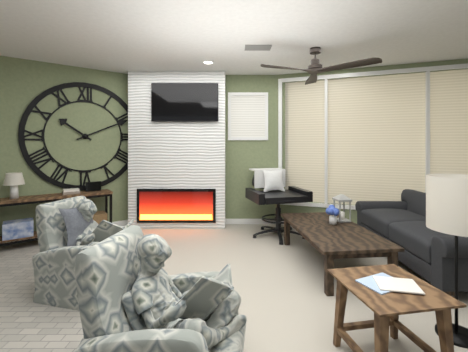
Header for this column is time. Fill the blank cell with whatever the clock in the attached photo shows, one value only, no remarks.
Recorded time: 10:11
